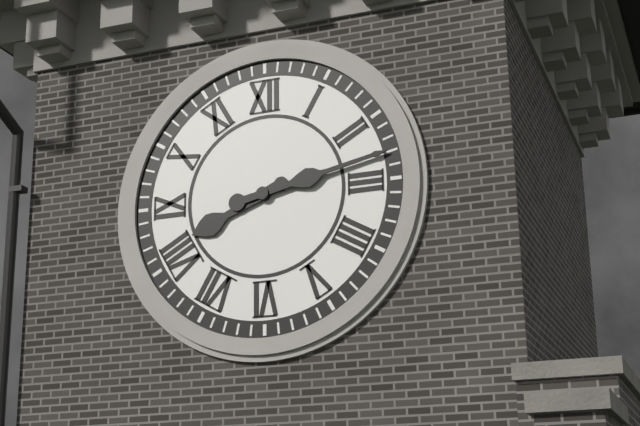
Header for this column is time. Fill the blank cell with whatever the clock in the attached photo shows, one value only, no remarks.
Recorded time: 8:13
